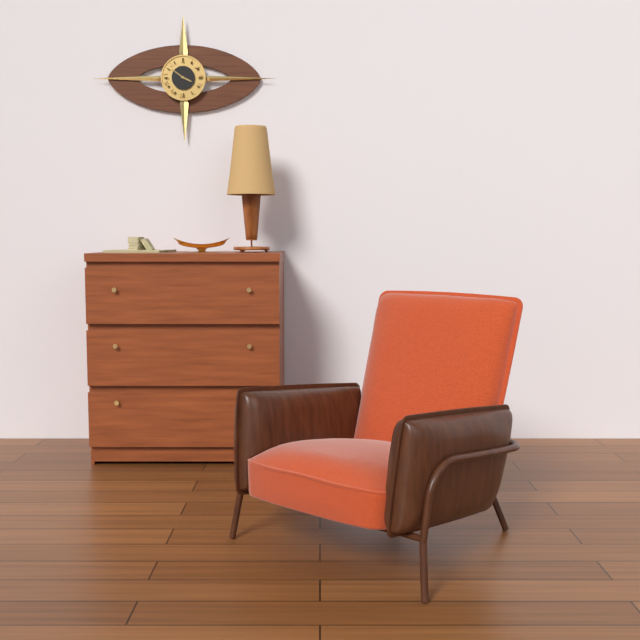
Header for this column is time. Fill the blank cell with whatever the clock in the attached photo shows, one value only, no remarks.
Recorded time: 3:51
